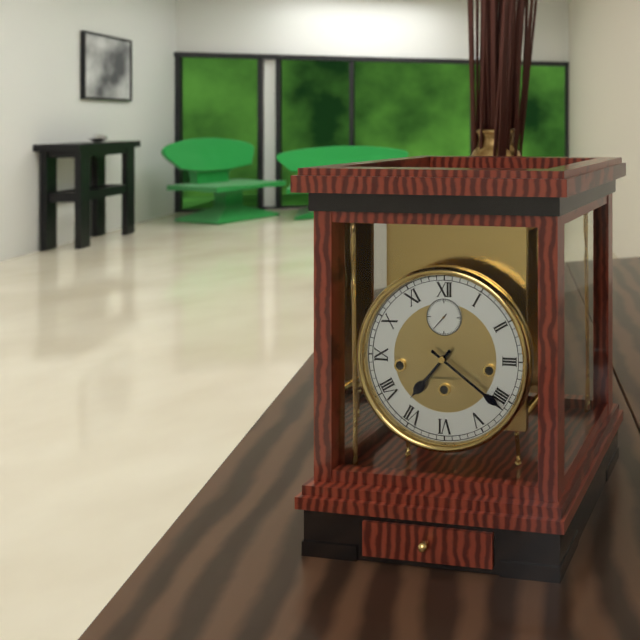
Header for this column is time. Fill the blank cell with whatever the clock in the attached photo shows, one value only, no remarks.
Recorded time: 7:21
